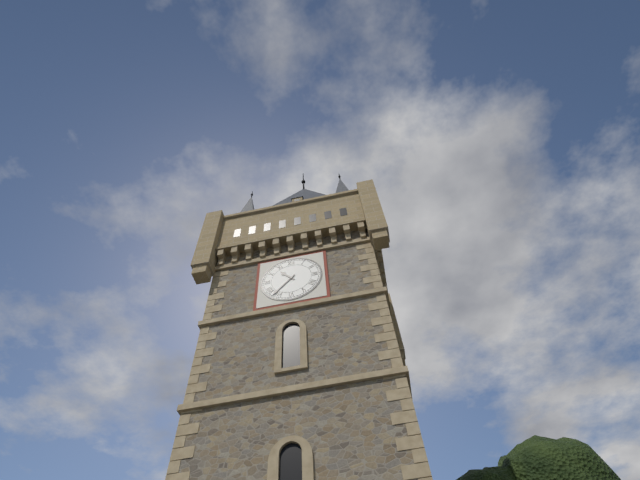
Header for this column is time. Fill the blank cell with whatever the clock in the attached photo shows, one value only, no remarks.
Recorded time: 10:37
